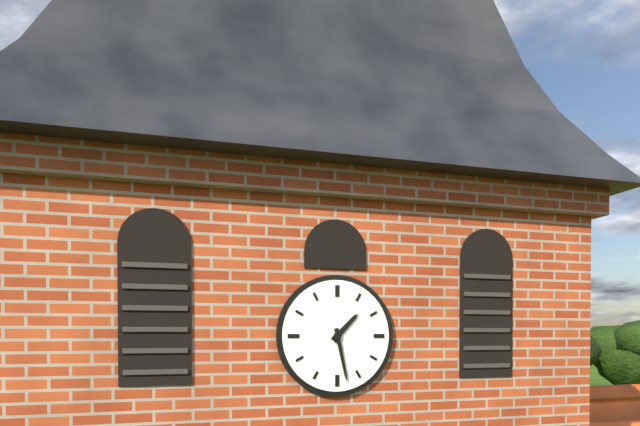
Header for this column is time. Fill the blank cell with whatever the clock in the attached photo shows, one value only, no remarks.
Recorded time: 1:28
